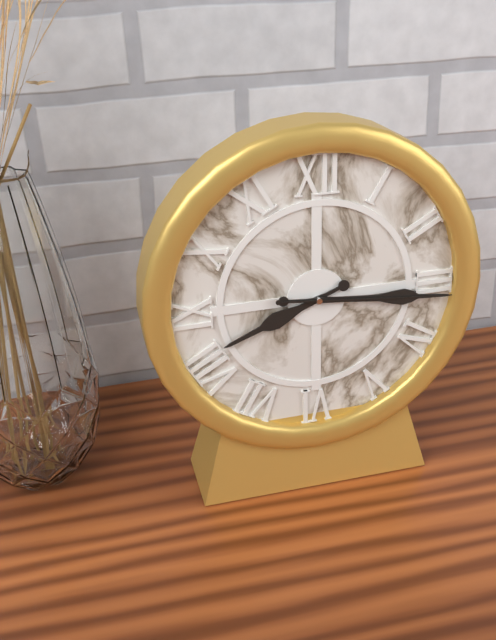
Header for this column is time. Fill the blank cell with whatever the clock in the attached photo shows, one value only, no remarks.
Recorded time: 8:16:16
